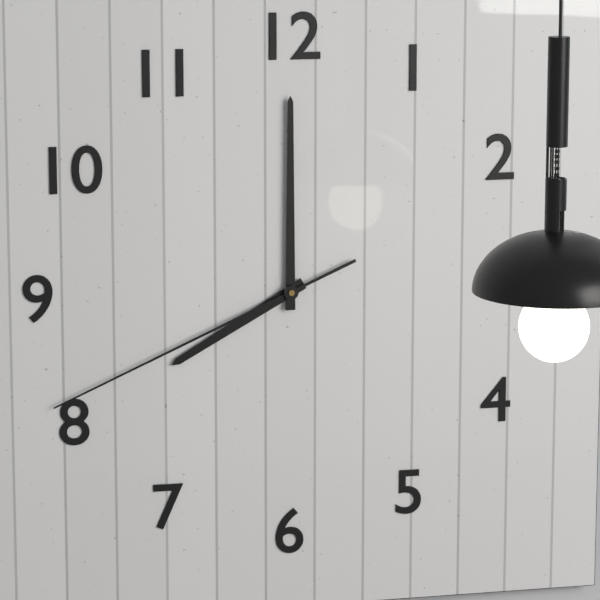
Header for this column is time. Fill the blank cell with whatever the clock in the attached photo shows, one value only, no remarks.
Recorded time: 8:00:41
